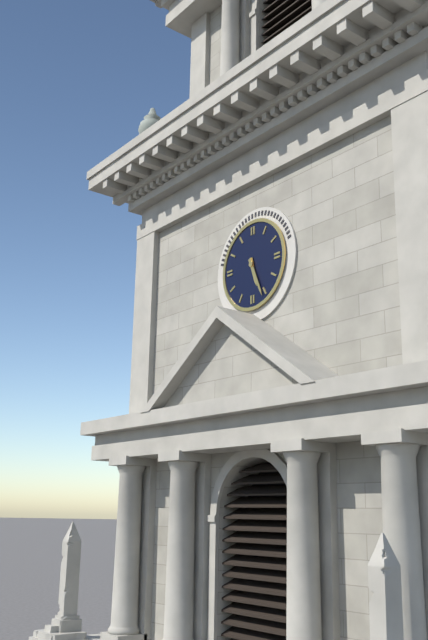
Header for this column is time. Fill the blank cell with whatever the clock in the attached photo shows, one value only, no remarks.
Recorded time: 5:26
